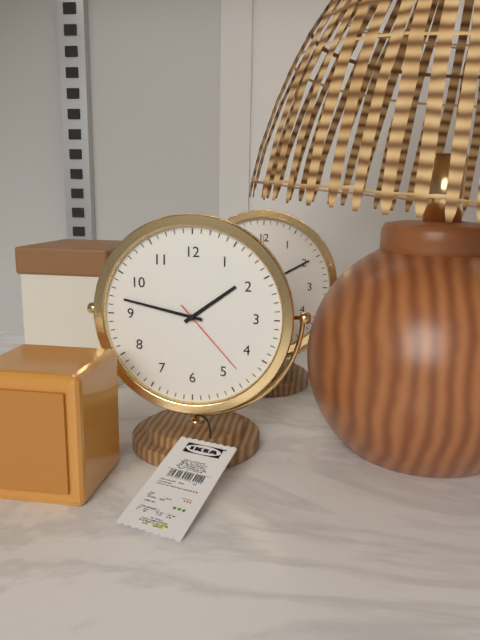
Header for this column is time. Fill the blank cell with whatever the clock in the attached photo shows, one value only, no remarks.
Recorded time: 1:47:23
